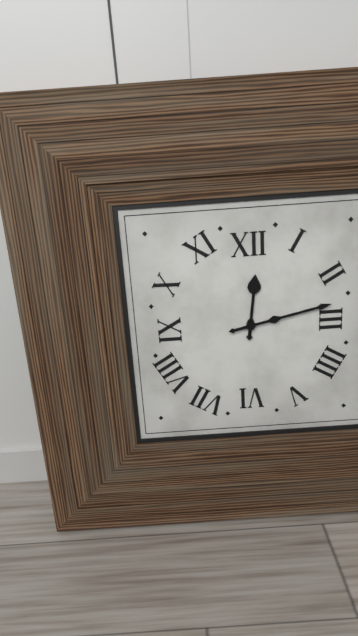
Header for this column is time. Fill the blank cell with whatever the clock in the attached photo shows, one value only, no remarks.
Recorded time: 12:13
